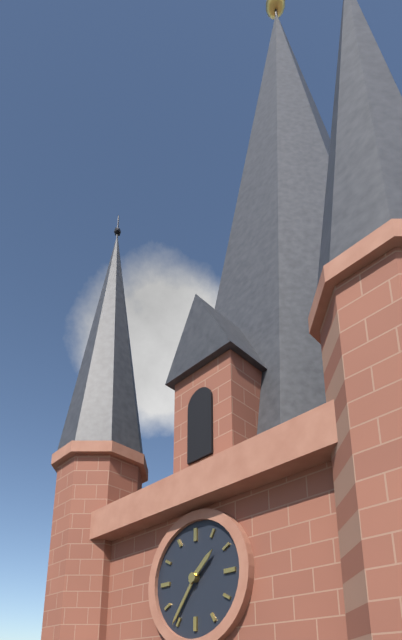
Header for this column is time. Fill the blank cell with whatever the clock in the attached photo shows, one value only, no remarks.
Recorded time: 1:36
